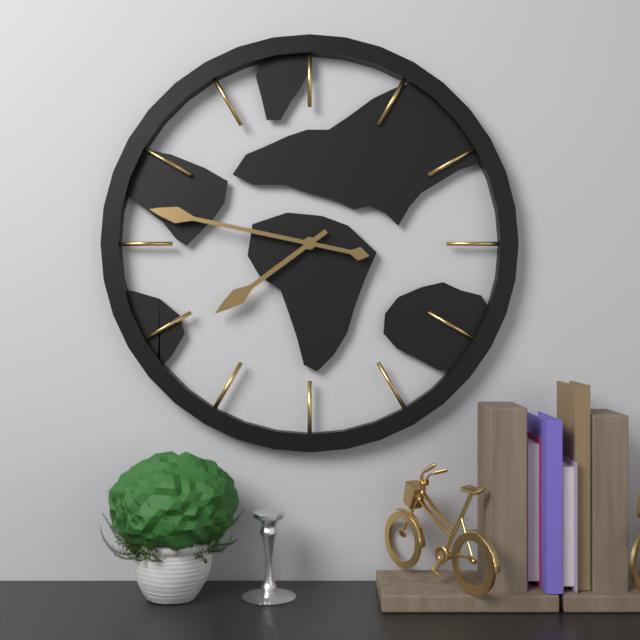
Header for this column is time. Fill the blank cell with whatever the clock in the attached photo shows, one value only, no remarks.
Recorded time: 7:47
